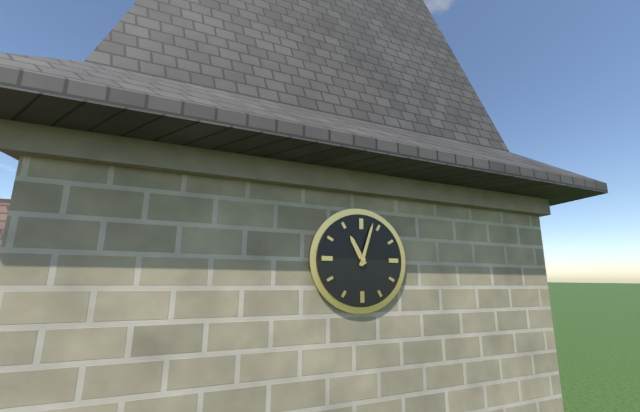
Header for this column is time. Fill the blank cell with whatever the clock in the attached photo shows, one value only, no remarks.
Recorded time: 11:03
